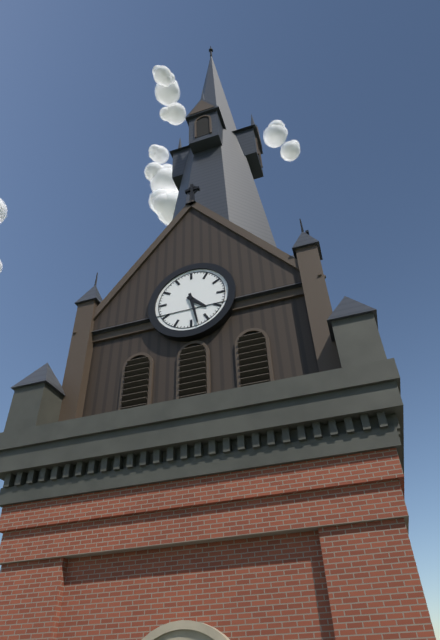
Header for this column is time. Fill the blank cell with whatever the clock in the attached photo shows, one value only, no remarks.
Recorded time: 4:28
